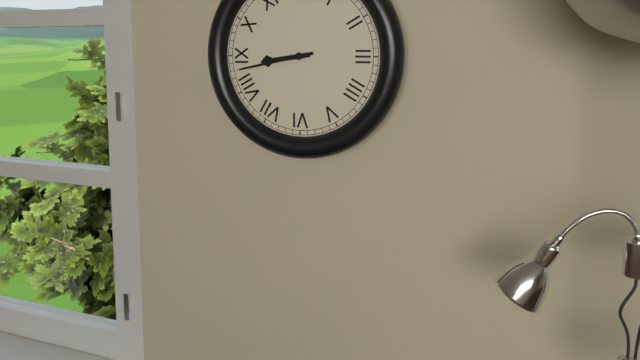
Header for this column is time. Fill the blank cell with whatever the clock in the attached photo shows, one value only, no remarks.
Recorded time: 8:43
